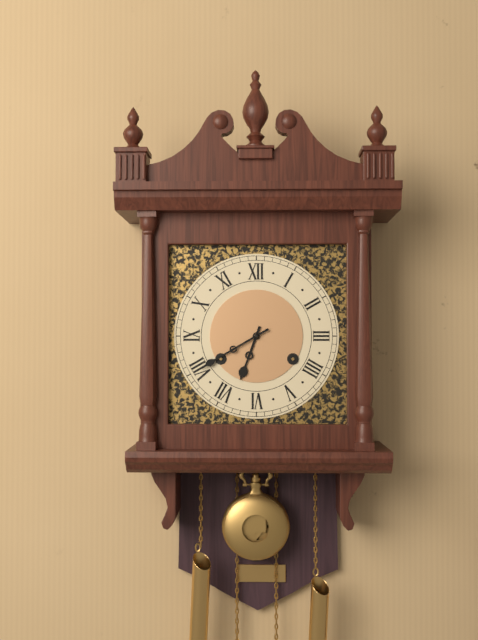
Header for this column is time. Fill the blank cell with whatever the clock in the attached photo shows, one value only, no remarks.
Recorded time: 6:40
